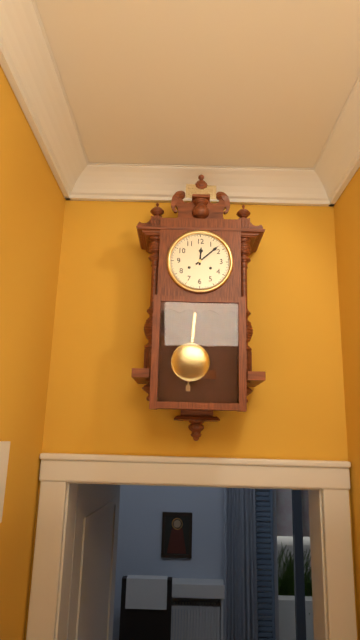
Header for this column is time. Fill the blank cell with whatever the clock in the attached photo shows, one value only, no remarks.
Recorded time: 12:08
